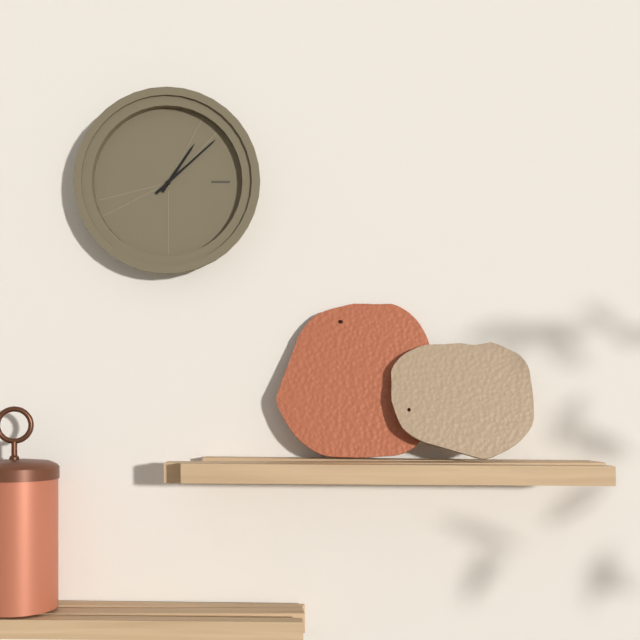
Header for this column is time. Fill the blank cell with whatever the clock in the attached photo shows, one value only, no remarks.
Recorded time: 1:08
